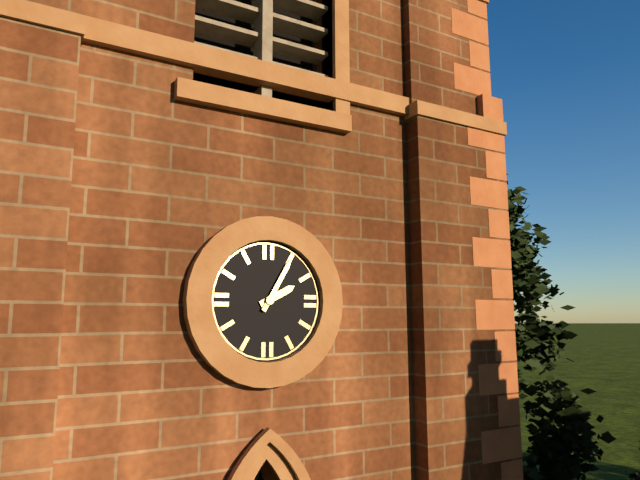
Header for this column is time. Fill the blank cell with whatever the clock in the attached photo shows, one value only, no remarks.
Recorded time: 2:05
